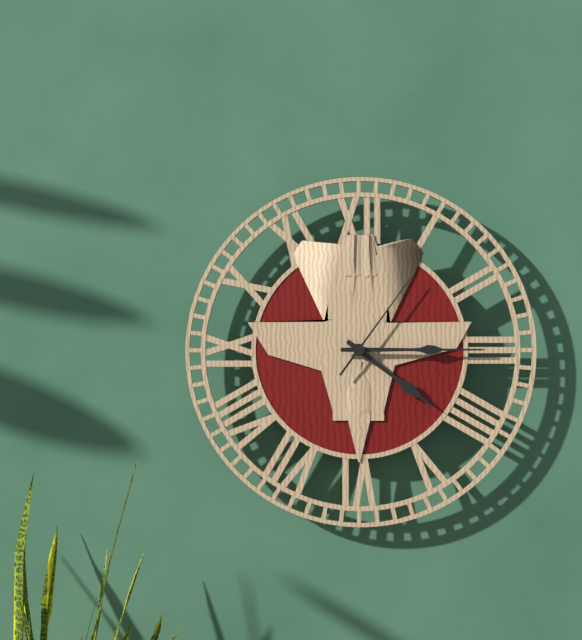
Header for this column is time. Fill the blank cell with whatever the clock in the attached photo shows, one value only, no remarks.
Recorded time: 4:15:06
